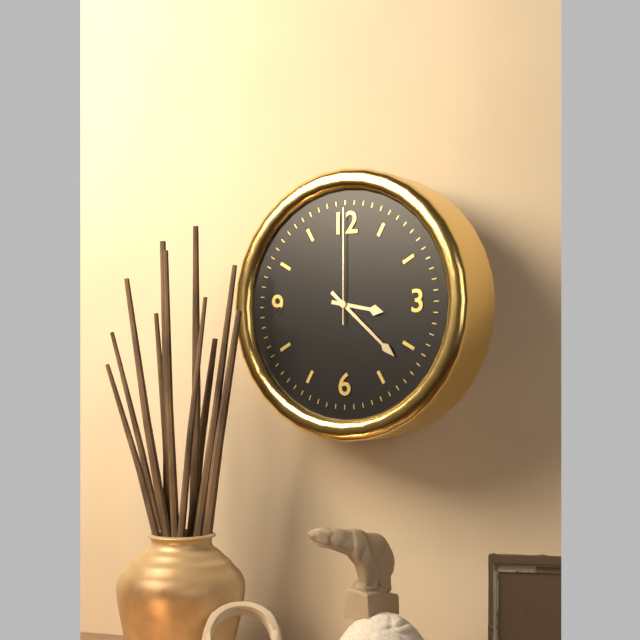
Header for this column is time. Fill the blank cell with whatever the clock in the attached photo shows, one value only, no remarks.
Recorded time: 3:22:00
